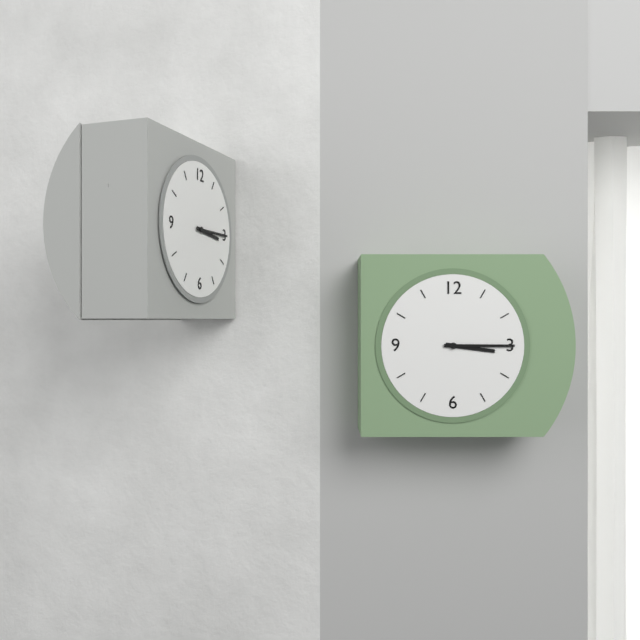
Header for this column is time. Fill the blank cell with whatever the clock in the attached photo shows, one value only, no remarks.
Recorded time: 3:15
